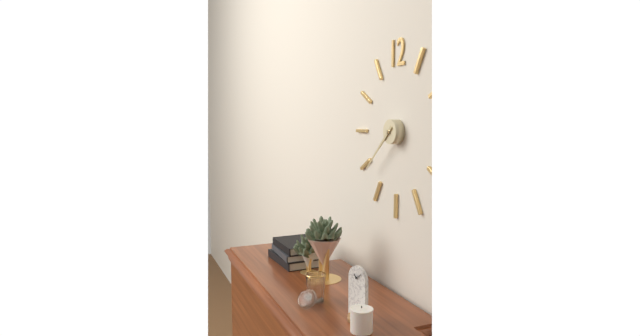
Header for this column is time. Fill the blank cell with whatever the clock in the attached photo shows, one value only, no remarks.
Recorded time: 7:38
